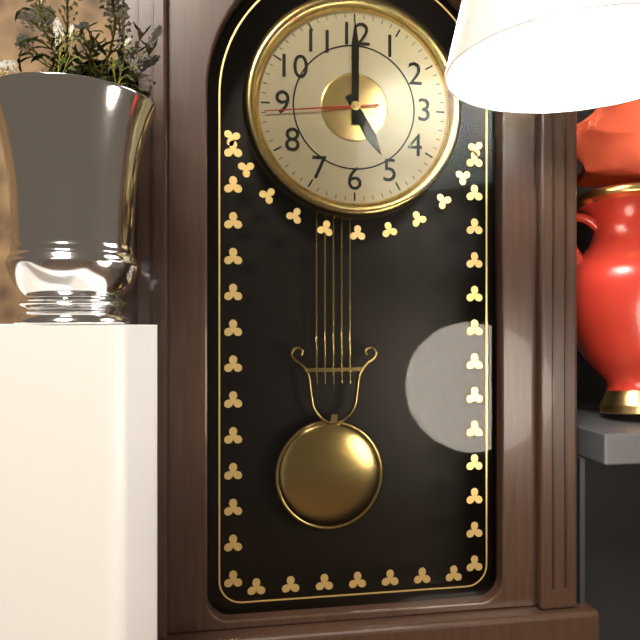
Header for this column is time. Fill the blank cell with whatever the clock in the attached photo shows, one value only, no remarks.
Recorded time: 5:00:44
